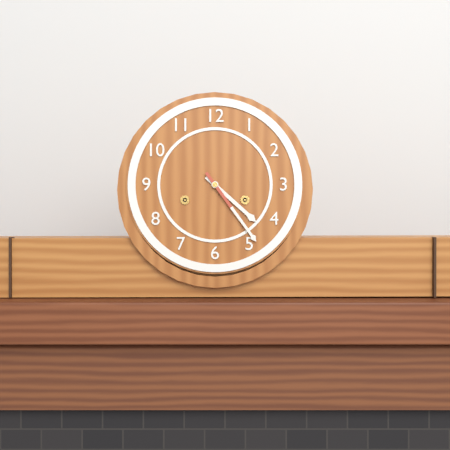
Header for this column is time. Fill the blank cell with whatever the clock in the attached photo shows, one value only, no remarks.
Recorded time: 4:24
